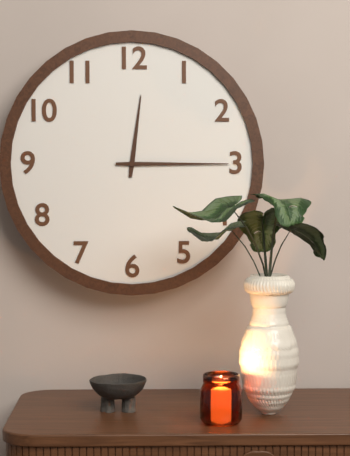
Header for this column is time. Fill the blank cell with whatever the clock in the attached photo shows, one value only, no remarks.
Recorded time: 12:15
